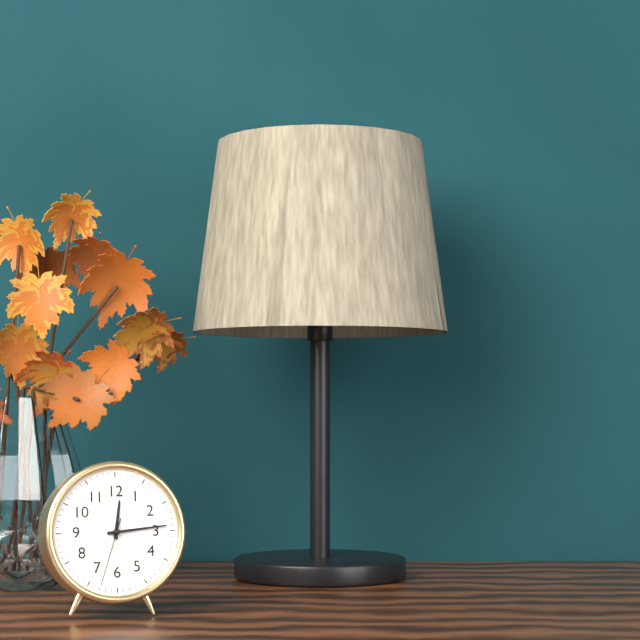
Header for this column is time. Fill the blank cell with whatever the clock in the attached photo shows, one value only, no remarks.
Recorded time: 12:14:33
